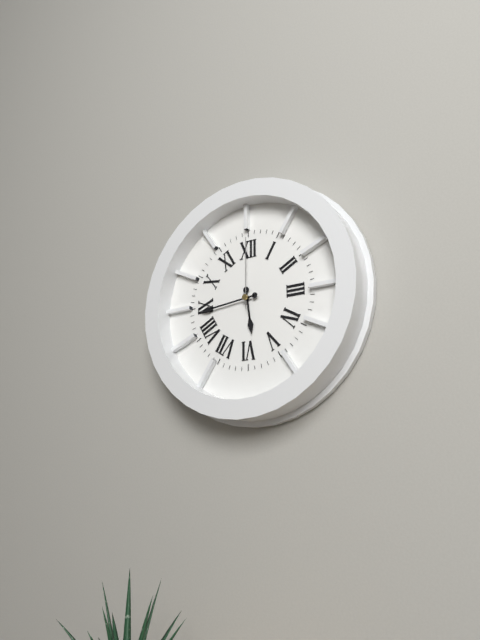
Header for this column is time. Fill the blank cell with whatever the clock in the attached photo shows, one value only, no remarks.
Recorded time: 5:44:00
